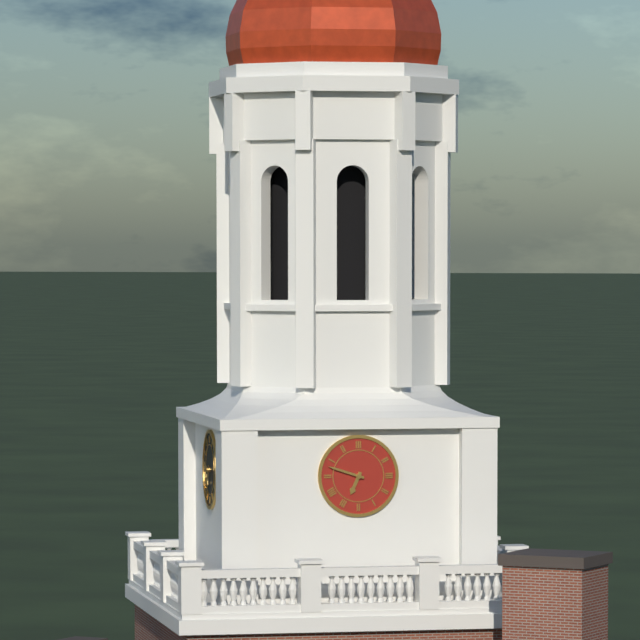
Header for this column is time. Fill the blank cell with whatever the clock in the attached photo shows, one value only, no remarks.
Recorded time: 6:48
